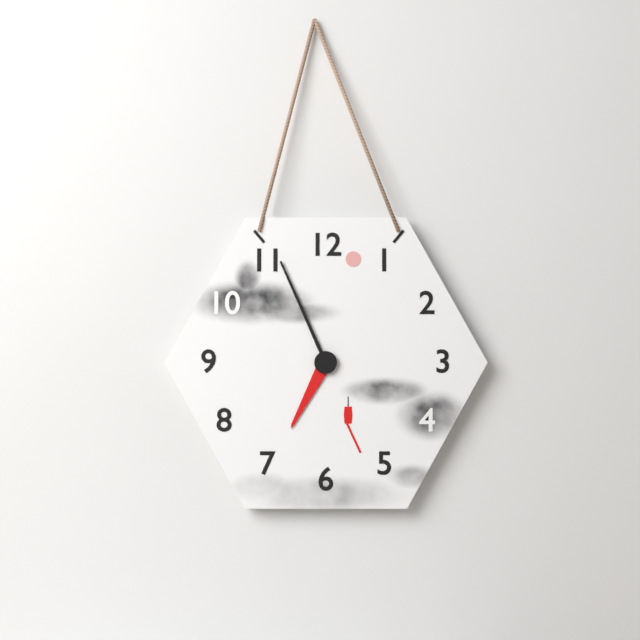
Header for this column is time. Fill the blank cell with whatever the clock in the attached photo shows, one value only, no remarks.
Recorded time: 6:56
